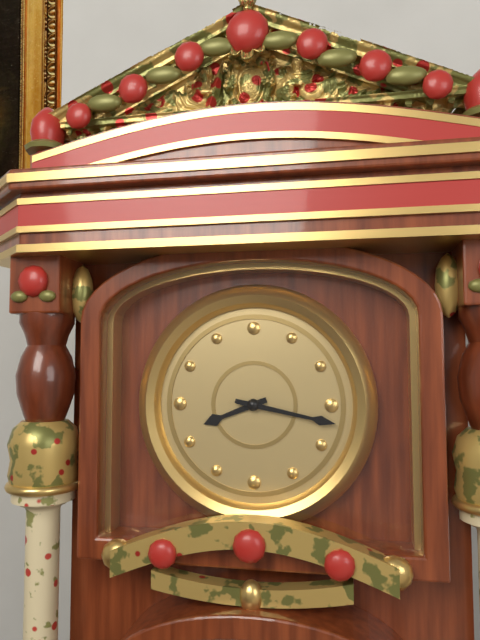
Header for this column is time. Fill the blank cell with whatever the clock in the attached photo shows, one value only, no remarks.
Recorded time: 8:17
